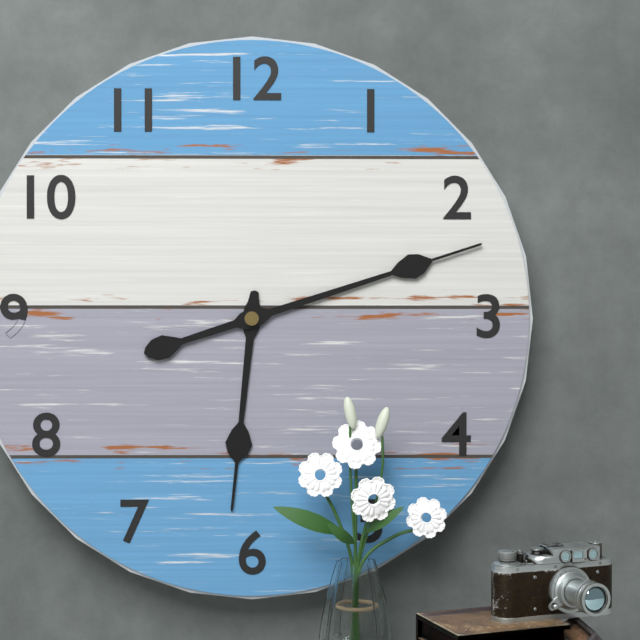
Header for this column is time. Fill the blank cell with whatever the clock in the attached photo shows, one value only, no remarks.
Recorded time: 6:12
